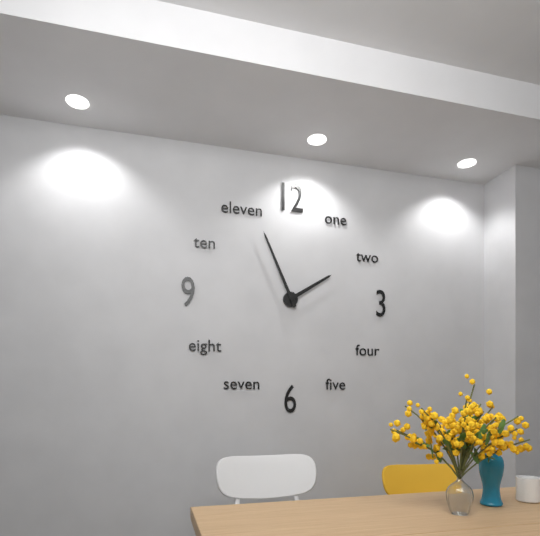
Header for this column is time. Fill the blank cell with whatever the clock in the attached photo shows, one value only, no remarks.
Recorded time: 1:56
